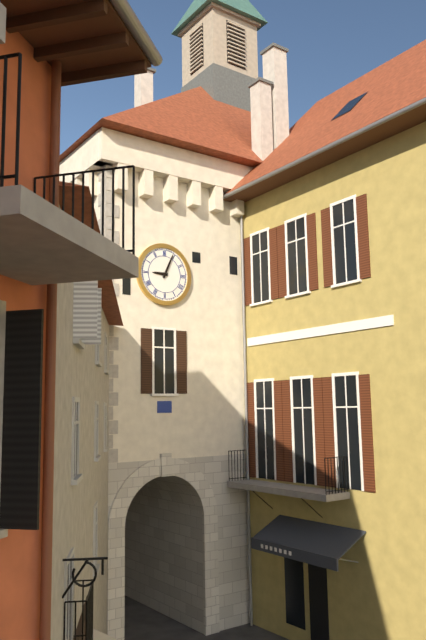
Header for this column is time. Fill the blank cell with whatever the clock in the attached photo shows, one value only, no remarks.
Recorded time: 9:04
